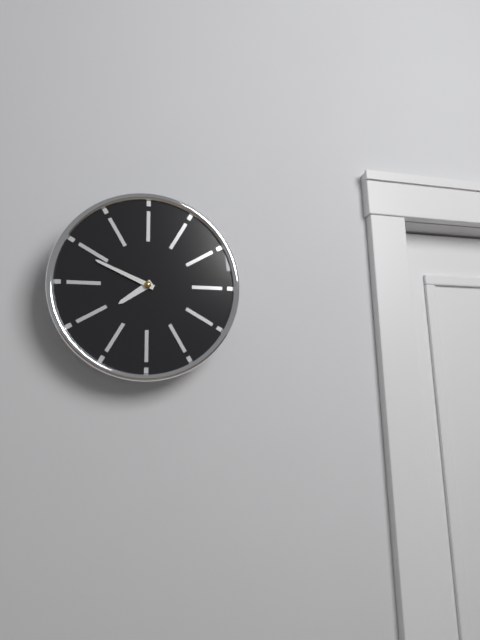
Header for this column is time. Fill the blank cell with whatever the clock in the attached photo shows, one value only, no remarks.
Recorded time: 7:49
